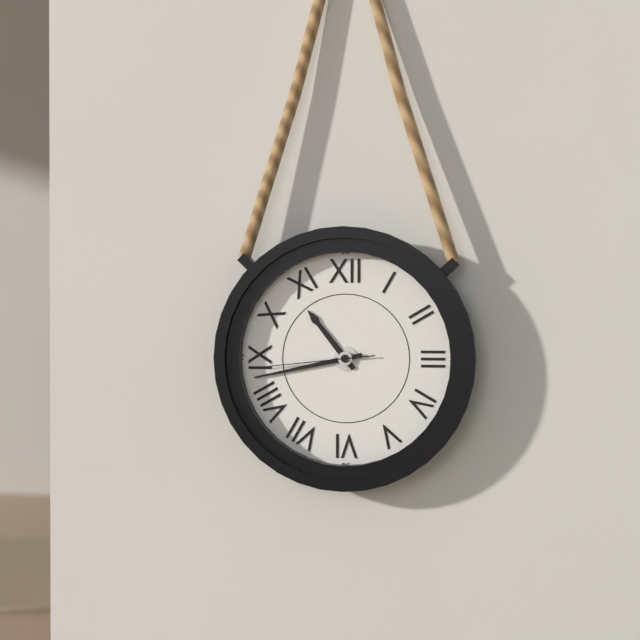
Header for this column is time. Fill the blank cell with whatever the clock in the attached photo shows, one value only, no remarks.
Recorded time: 10:43:44
